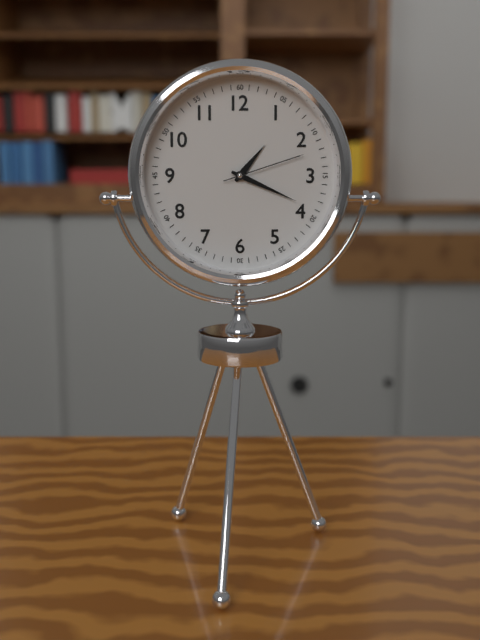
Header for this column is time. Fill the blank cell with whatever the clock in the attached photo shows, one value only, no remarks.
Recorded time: 1:19:12
